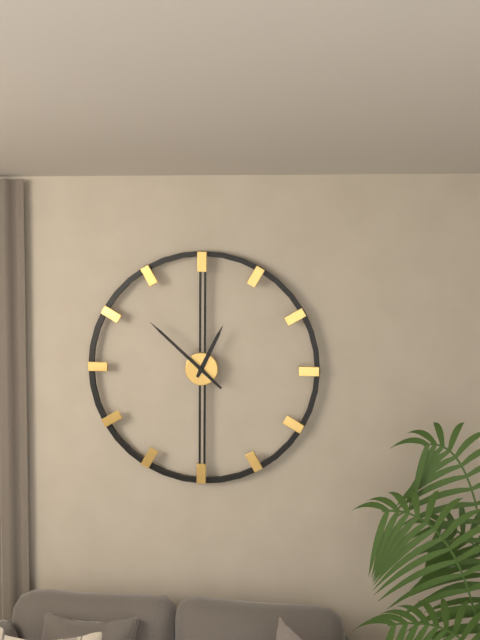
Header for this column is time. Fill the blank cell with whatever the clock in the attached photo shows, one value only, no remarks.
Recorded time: 12:52
